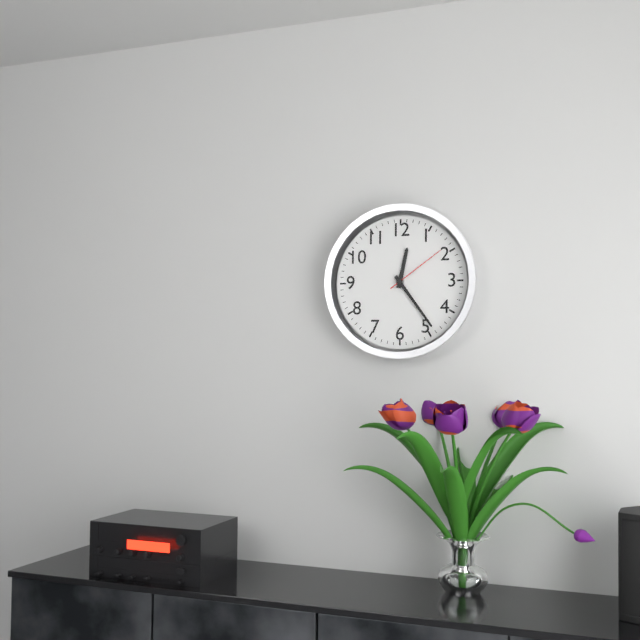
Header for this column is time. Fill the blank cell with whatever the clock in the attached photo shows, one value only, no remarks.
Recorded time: 12:24:09
